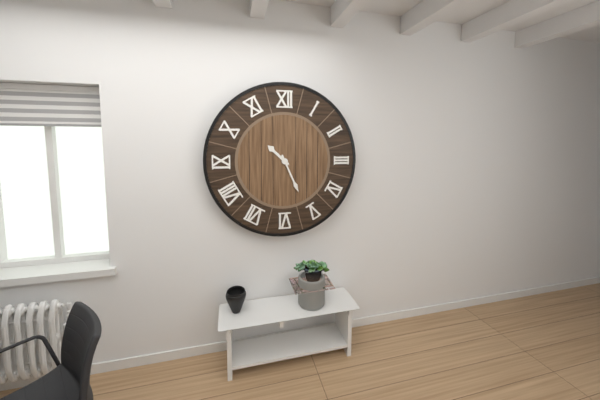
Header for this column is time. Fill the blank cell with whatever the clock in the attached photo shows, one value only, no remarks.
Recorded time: 10:26
